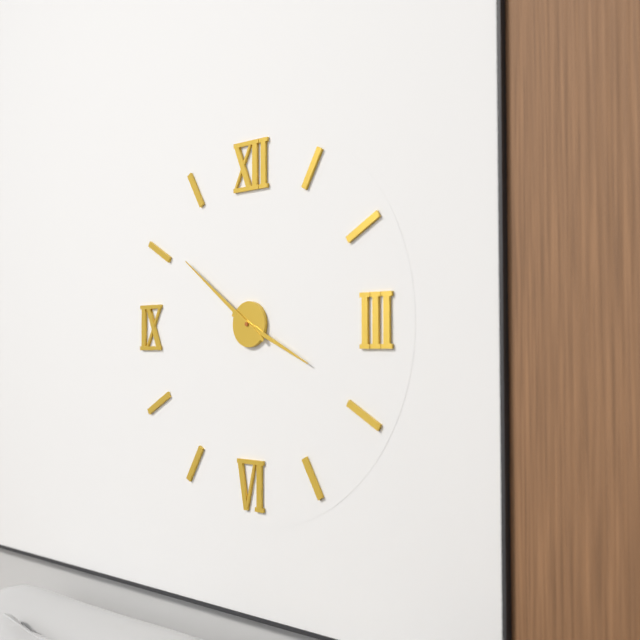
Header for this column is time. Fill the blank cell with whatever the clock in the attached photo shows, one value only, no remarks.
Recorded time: 3:51
